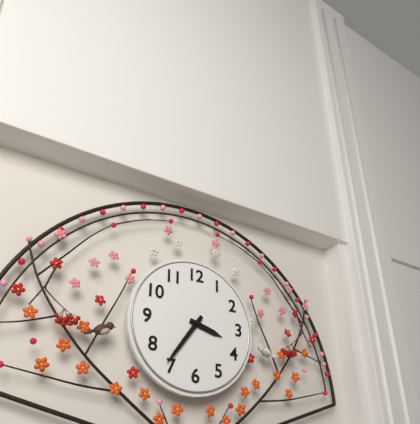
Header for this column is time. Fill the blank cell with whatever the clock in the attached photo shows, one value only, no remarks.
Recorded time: 3:36
